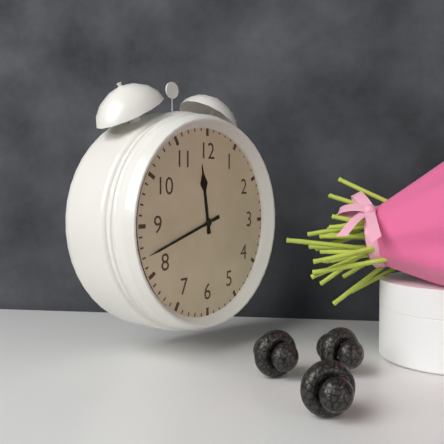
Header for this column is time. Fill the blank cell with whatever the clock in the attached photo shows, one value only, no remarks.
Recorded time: 11:42
